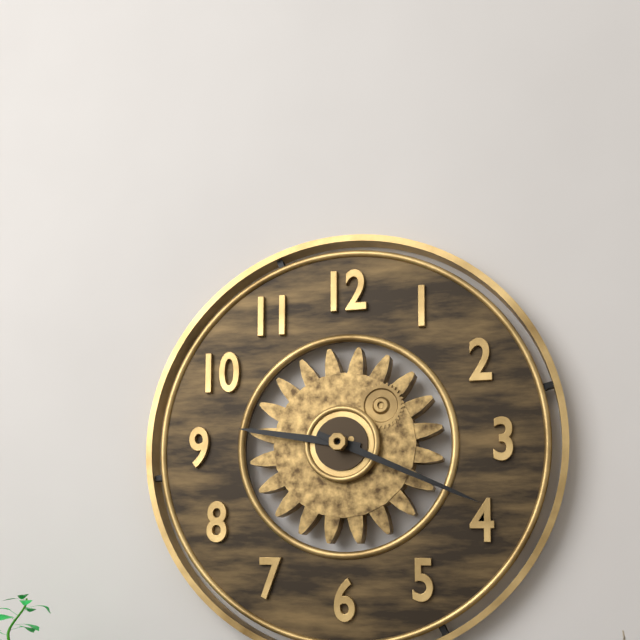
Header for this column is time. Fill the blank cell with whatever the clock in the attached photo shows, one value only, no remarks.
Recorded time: 9:19
